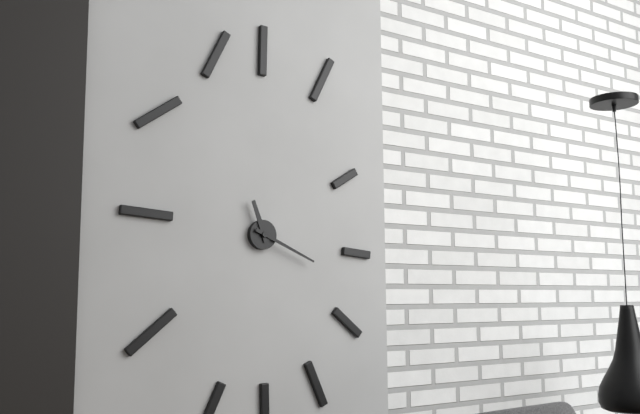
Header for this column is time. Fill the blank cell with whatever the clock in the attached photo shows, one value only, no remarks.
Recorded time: 11:19
